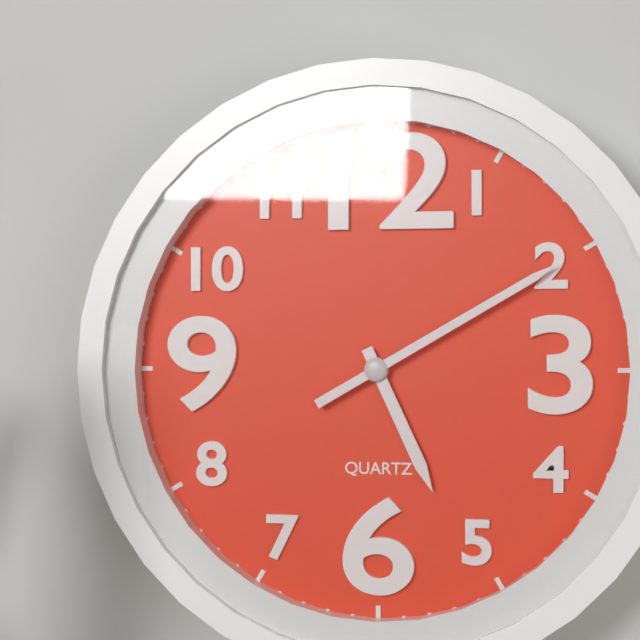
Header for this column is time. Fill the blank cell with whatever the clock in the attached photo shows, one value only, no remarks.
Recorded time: 5:10
